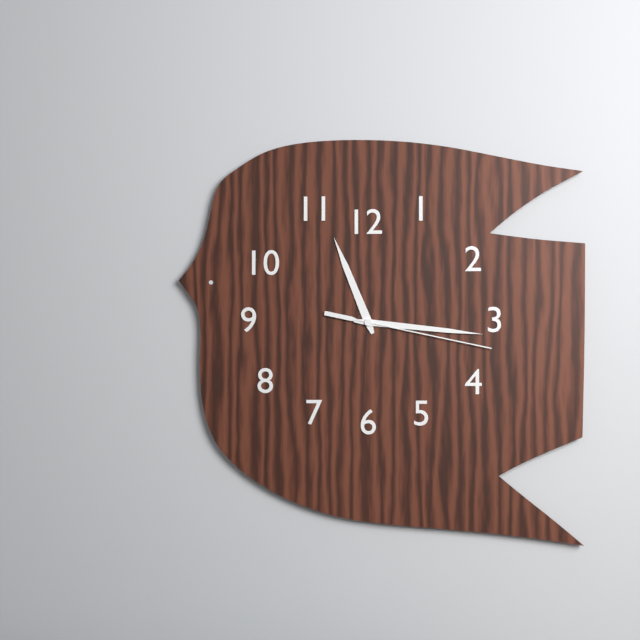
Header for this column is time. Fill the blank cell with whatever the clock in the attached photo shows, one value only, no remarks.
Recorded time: 11:16:17
